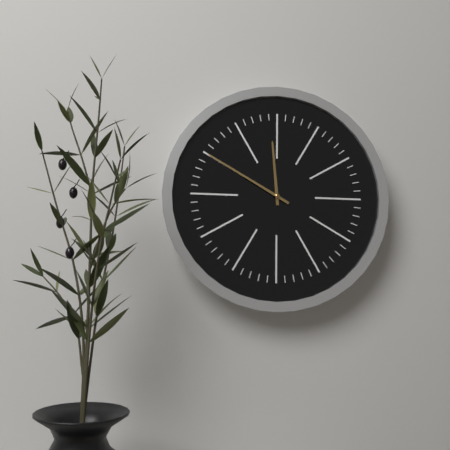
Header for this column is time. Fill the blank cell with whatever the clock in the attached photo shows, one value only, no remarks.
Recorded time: 11:50
